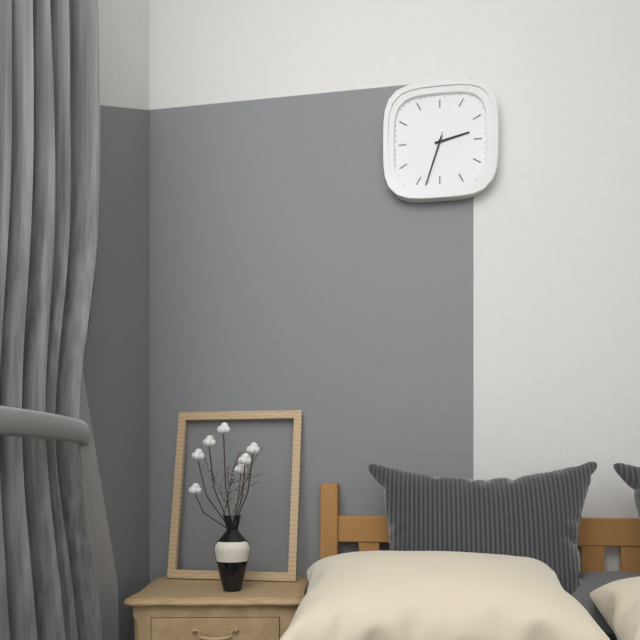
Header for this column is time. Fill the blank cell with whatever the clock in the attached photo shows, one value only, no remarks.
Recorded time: 2:33:33
